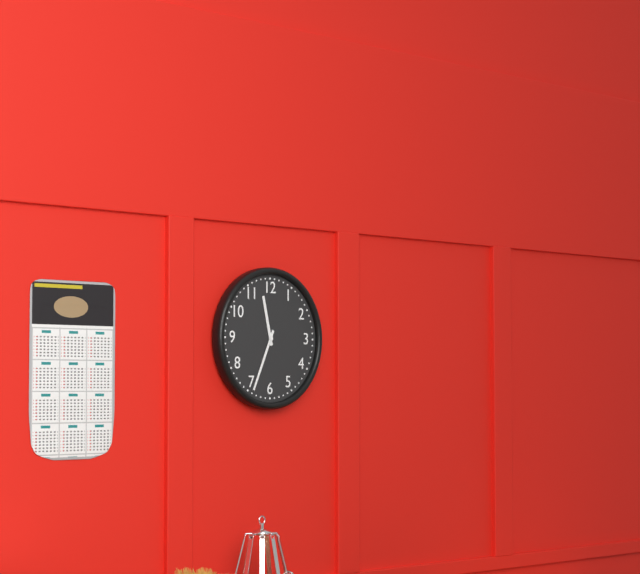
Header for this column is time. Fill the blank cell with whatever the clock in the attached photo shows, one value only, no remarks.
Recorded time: 11:34
